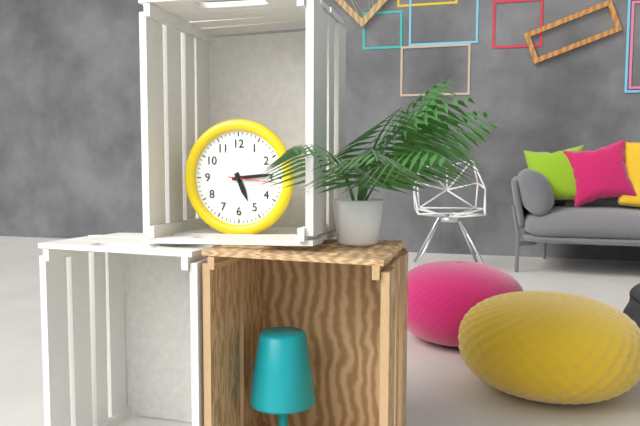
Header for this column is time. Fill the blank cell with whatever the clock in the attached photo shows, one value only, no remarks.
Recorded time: 5:14
